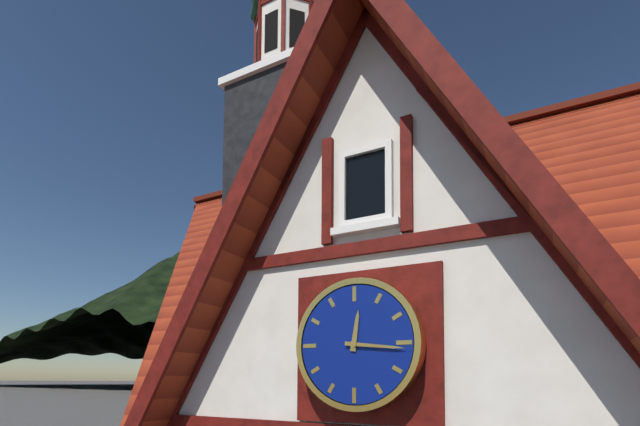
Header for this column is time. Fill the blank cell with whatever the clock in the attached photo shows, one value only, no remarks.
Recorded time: 12:16
